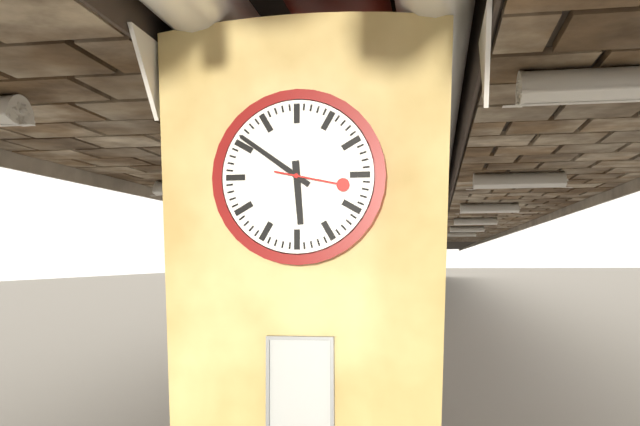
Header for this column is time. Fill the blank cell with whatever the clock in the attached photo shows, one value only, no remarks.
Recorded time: 5:51:17
